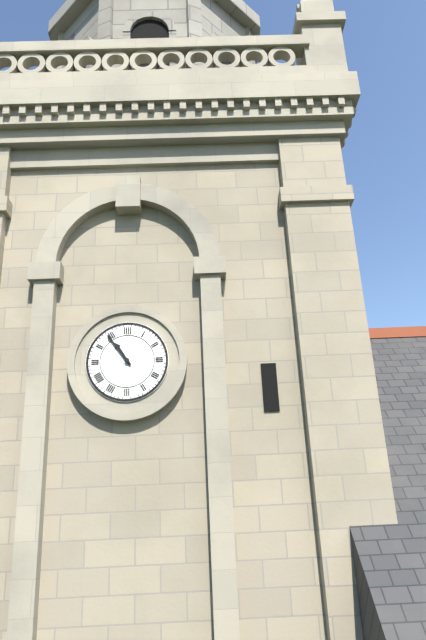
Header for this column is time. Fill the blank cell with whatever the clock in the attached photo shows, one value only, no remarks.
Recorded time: 10:54
